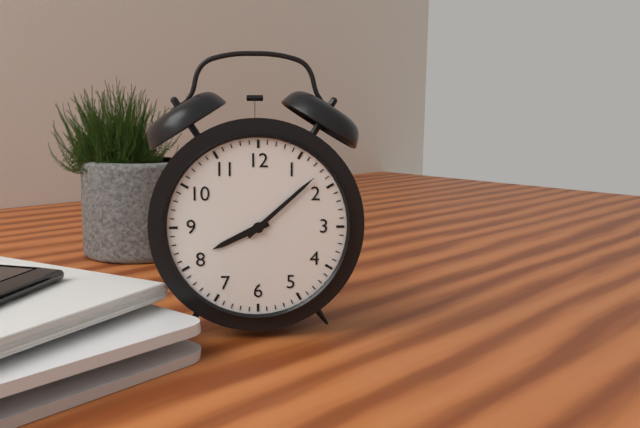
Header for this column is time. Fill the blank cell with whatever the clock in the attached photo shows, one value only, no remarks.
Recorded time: 8:08
